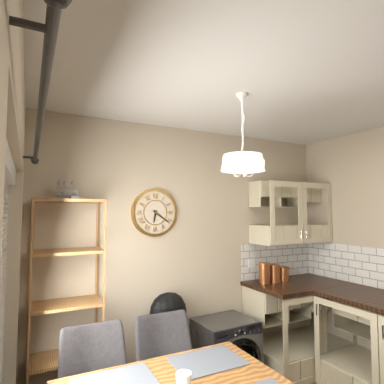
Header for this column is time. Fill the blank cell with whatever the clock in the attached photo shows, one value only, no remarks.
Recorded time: 6:21
